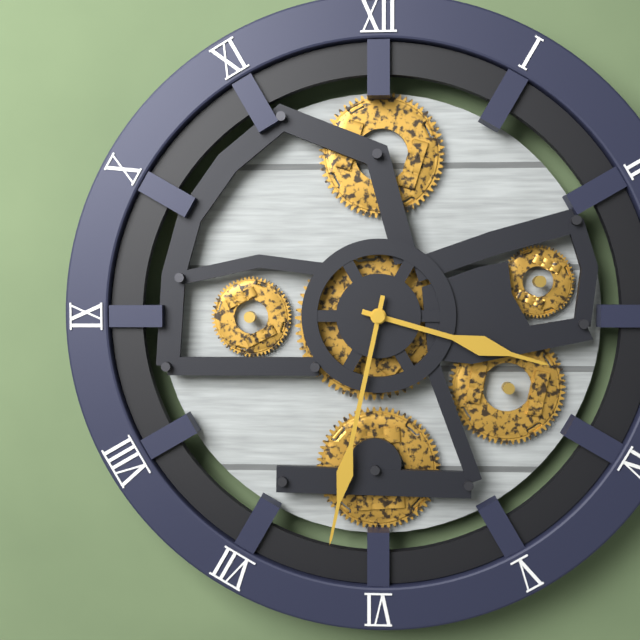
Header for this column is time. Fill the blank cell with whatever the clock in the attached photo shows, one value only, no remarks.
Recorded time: 3:32
